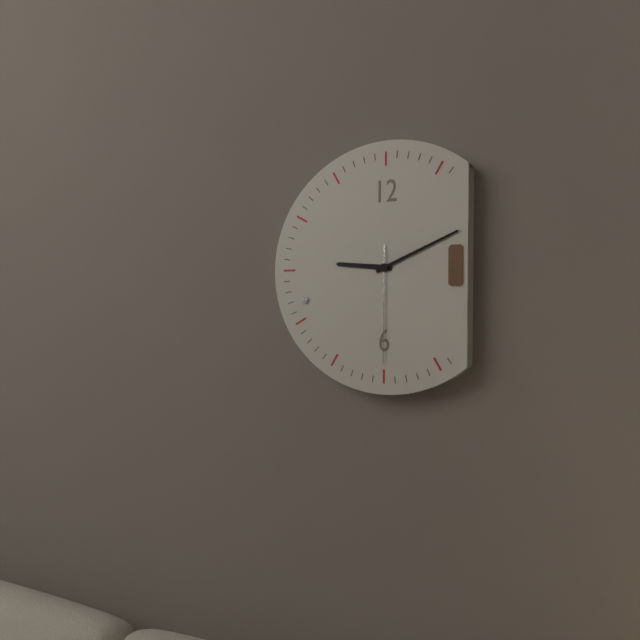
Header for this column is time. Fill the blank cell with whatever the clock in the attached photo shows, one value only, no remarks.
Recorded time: 9:11:30
